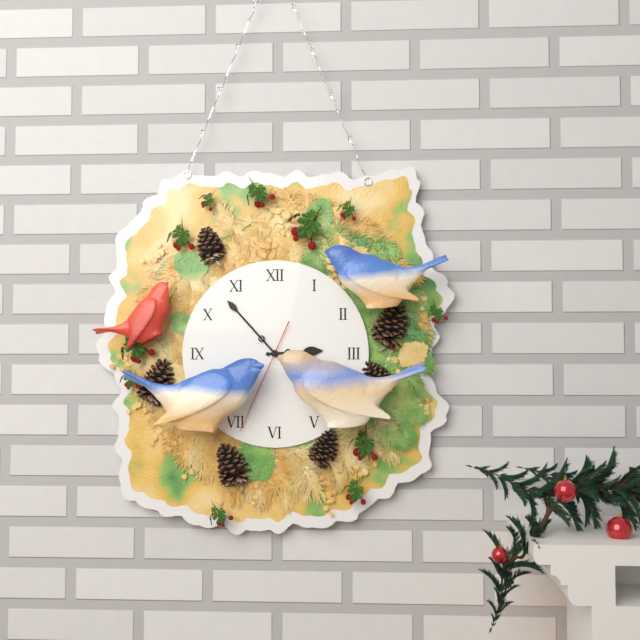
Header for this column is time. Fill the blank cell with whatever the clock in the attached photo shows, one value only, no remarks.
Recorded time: 2:53:34
